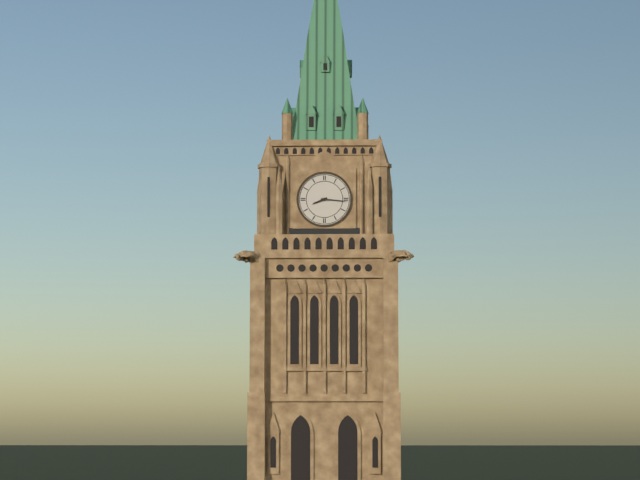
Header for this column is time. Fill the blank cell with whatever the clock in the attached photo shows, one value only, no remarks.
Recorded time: 8:16
